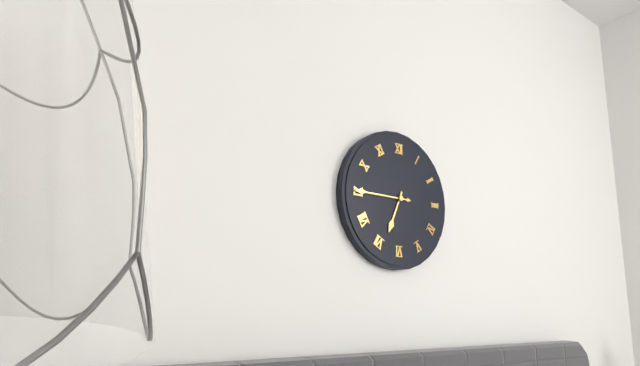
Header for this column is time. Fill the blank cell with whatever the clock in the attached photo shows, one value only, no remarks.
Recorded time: 6:45
